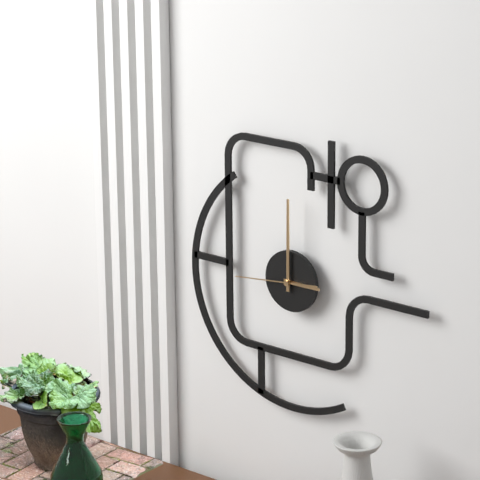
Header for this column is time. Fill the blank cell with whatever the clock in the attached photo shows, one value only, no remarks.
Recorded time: 3:00:44
